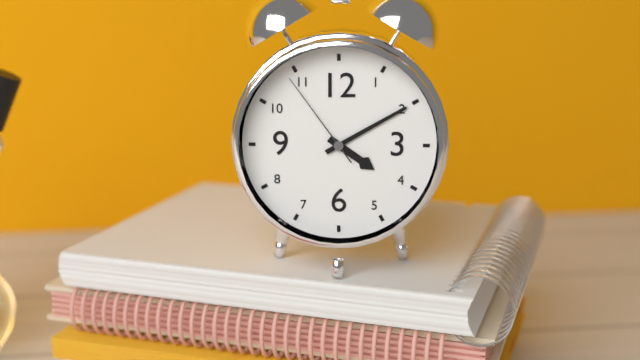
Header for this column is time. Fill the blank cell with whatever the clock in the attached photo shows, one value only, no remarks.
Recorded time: 4:10:54
